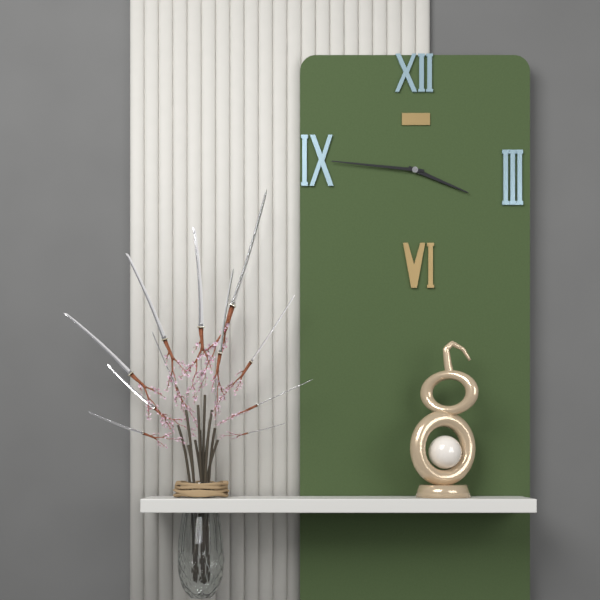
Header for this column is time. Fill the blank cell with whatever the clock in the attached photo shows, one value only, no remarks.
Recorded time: 3:46
